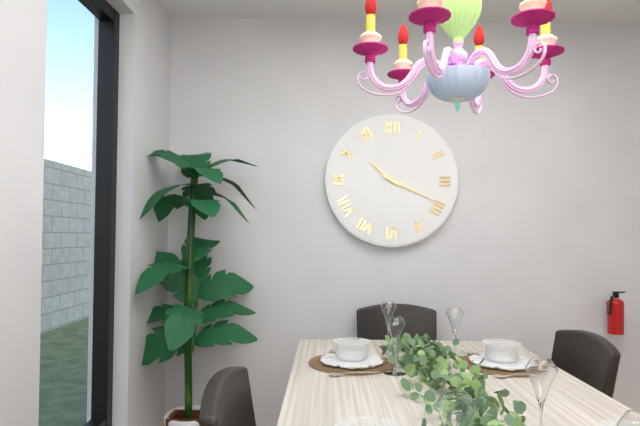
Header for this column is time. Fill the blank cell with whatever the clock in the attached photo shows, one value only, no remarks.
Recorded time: 10:19
